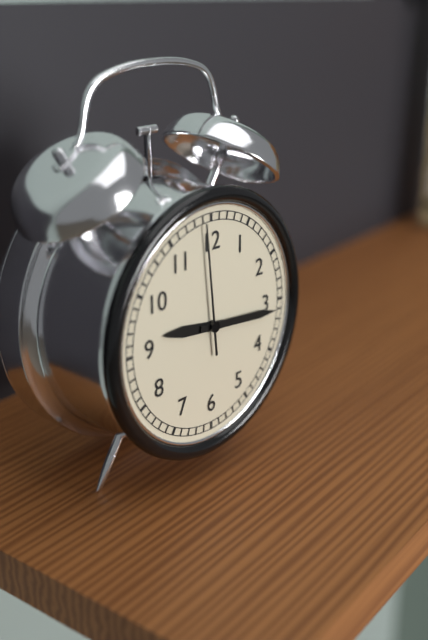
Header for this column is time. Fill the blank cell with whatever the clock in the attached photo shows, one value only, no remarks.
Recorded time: 9:16:59
